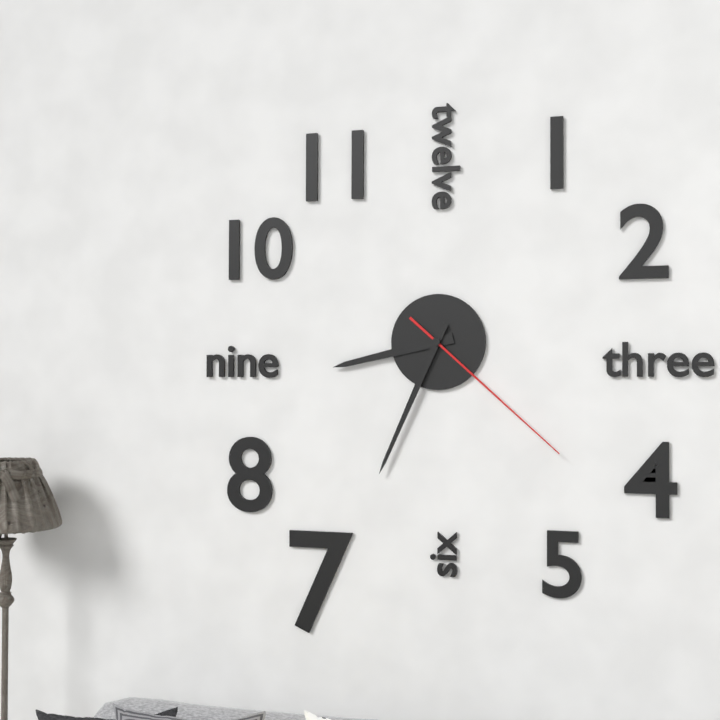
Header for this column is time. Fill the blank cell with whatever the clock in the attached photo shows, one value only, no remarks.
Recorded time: 8:34:22
